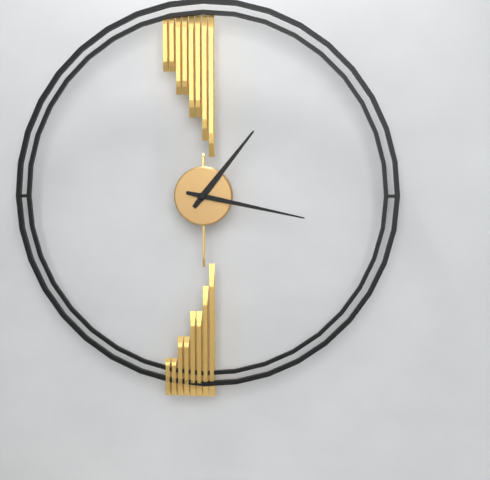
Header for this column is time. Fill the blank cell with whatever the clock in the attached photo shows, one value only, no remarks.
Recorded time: 1:17
